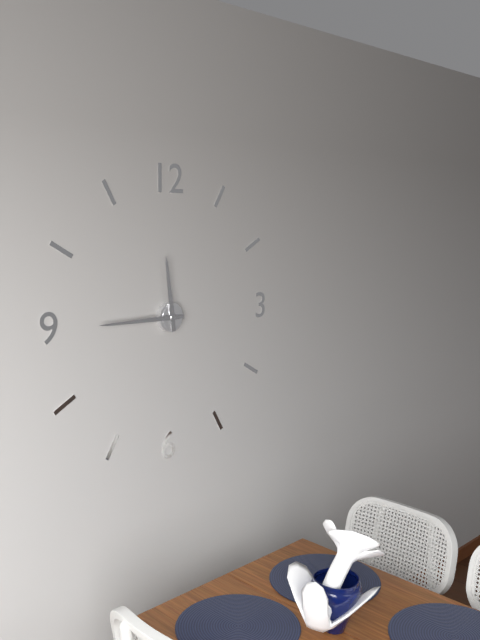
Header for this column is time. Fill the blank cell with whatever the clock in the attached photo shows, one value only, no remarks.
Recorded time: 11:45
